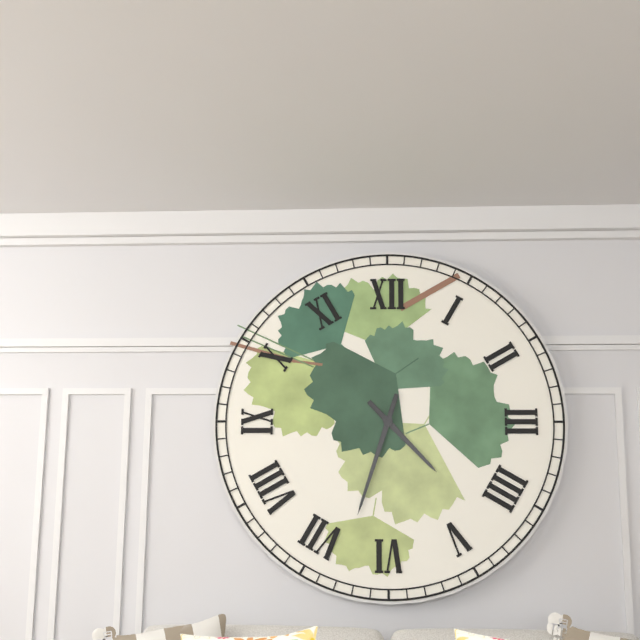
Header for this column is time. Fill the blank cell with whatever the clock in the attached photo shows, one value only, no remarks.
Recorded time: 4:33
